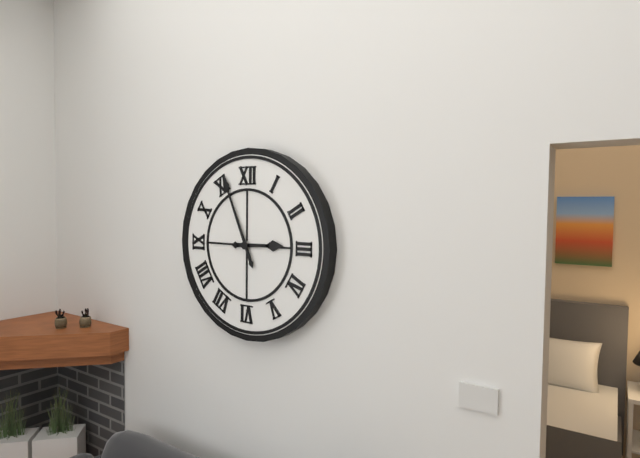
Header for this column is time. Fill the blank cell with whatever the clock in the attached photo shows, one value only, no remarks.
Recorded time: 2:56
